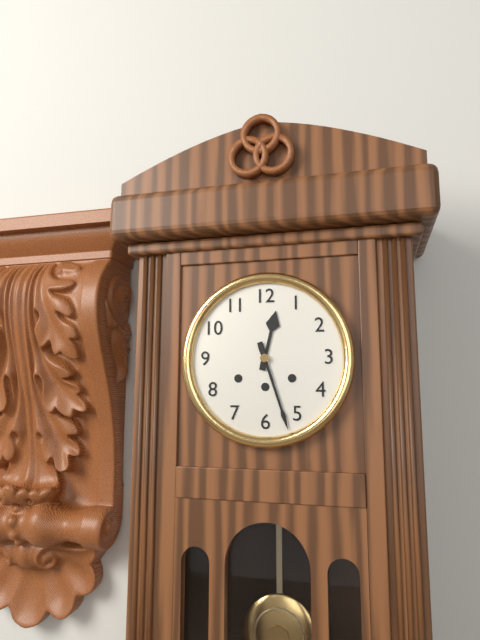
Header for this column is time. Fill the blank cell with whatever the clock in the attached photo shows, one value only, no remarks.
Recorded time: 12:27
